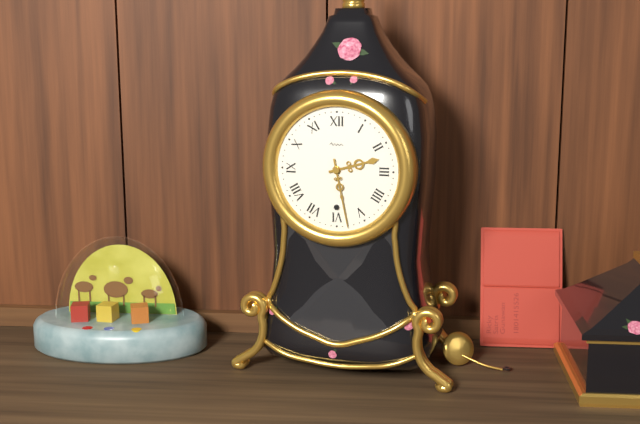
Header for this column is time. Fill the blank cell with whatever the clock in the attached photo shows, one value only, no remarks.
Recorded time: 2:28
